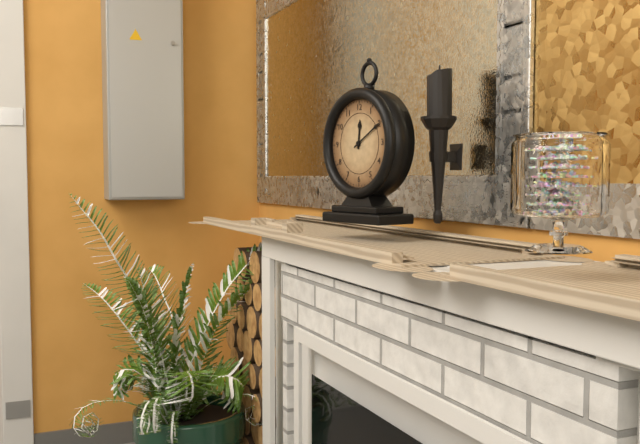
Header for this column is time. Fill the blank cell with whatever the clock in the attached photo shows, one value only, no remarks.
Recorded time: 12:10
